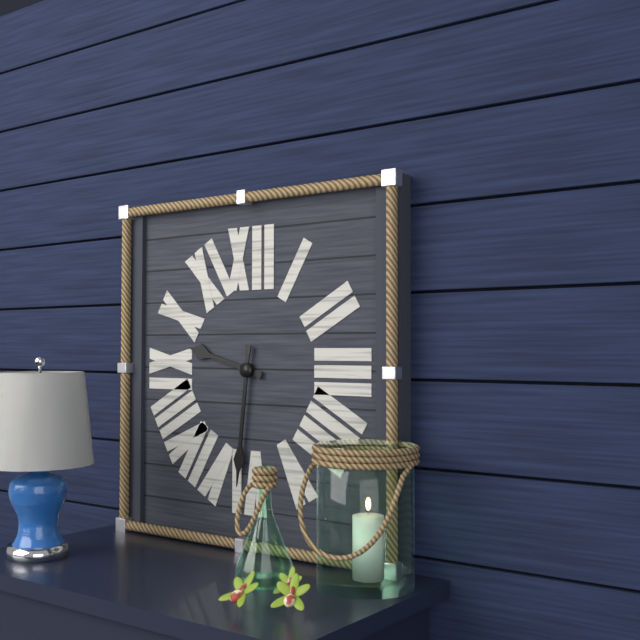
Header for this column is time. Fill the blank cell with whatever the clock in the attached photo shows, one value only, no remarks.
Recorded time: 9:31
